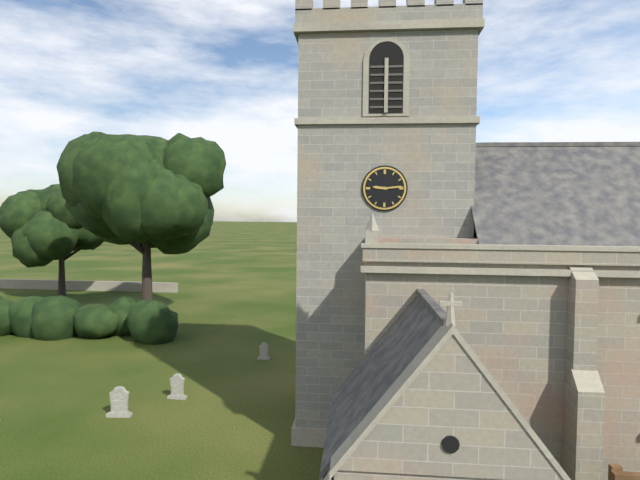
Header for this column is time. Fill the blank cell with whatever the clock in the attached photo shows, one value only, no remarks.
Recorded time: 9:14
